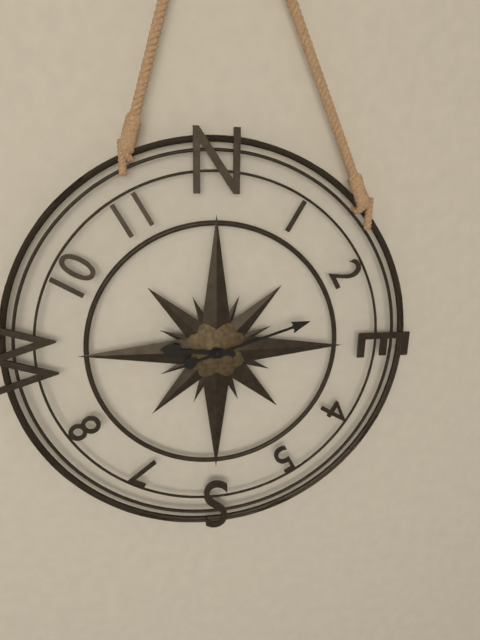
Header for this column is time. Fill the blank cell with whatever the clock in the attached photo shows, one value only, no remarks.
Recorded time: 9:12
